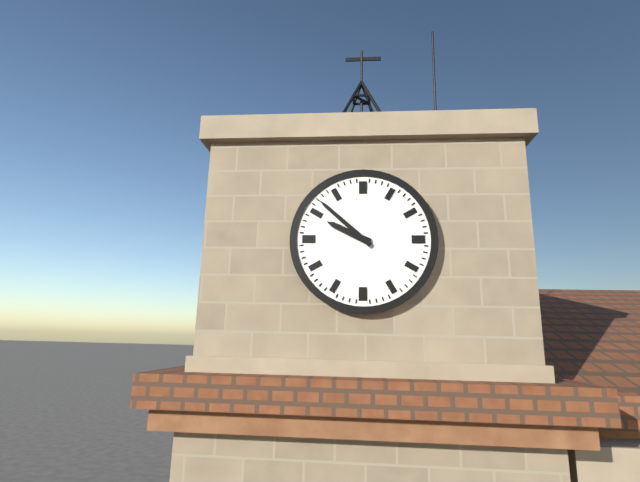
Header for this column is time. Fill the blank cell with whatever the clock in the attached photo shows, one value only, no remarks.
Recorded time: 9:52
